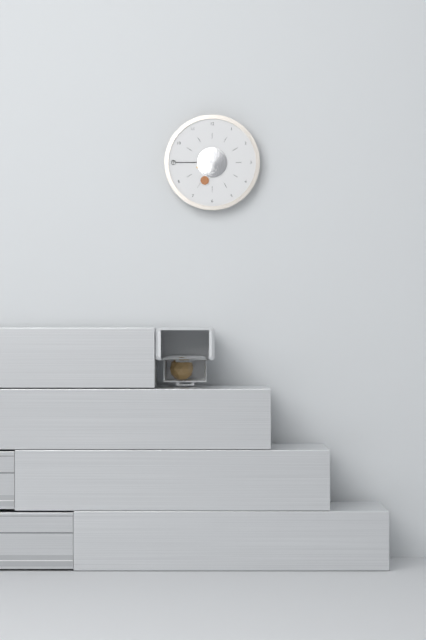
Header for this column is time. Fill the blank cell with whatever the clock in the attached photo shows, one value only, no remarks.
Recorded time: 6:45
